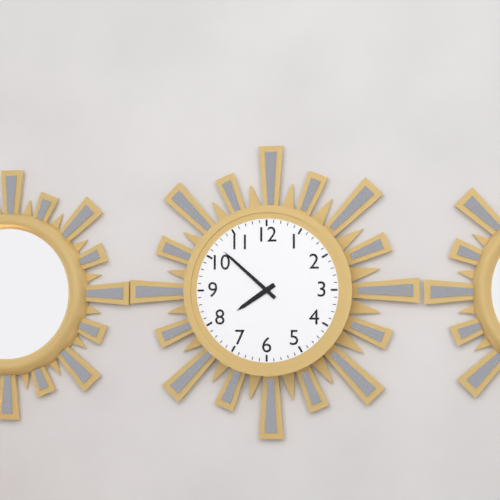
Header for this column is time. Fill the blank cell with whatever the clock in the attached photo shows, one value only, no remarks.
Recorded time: 7:52
